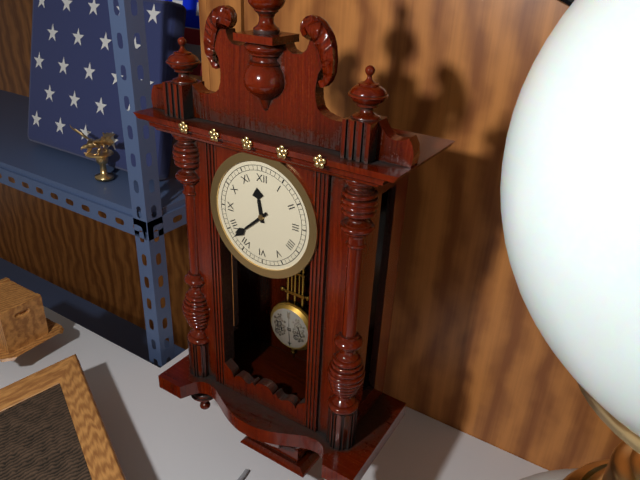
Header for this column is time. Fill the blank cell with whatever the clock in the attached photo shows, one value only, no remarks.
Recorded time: 11:38
